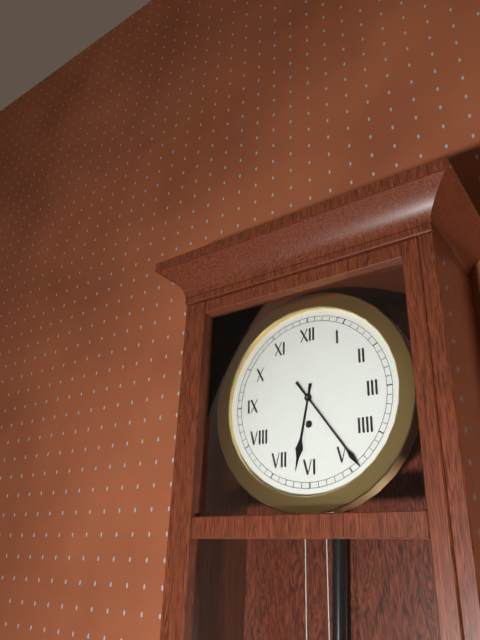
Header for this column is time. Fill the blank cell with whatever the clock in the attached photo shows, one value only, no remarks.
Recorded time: 6:24
